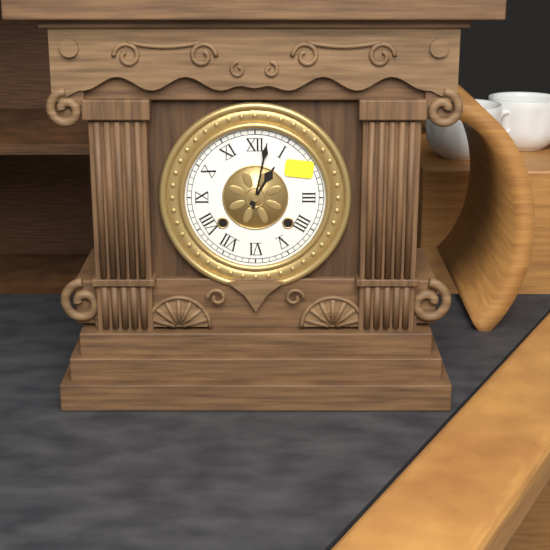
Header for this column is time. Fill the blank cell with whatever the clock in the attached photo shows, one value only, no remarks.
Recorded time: 1:02
